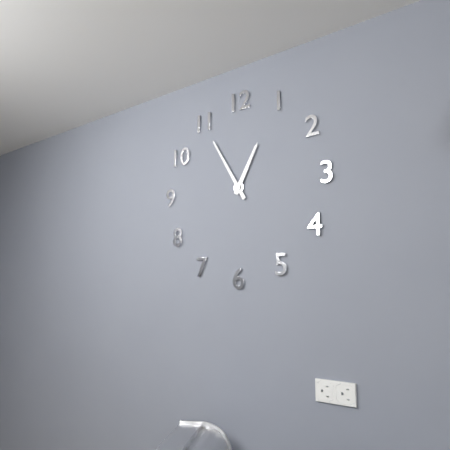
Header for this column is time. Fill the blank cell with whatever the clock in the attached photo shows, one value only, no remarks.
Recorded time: 12:55
